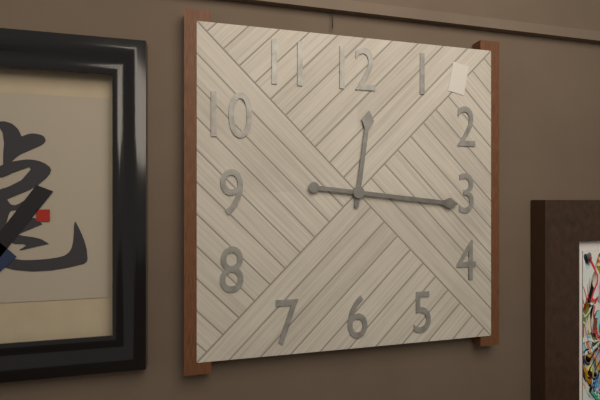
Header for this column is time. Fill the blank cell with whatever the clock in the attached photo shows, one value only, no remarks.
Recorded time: 12:16
